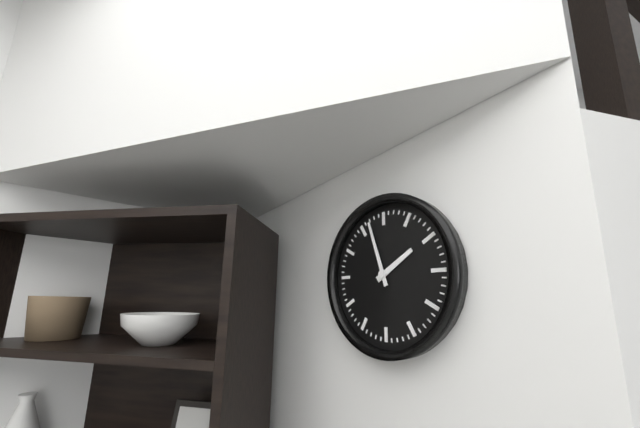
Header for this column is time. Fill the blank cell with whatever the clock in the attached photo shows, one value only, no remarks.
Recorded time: 1:57
